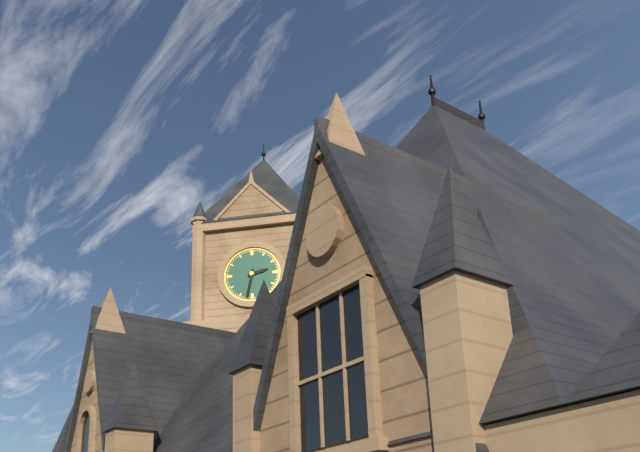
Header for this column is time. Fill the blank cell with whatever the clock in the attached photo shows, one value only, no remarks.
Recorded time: 2:32
